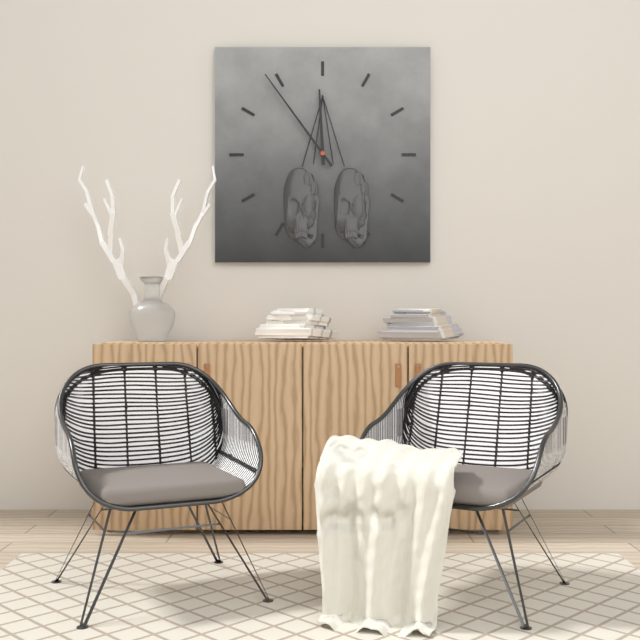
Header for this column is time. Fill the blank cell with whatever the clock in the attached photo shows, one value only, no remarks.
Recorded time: 11:54
